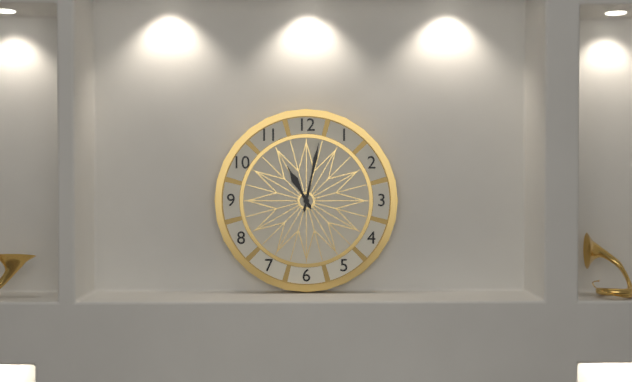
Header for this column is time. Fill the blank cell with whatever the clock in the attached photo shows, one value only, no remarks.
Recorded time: 11:02
